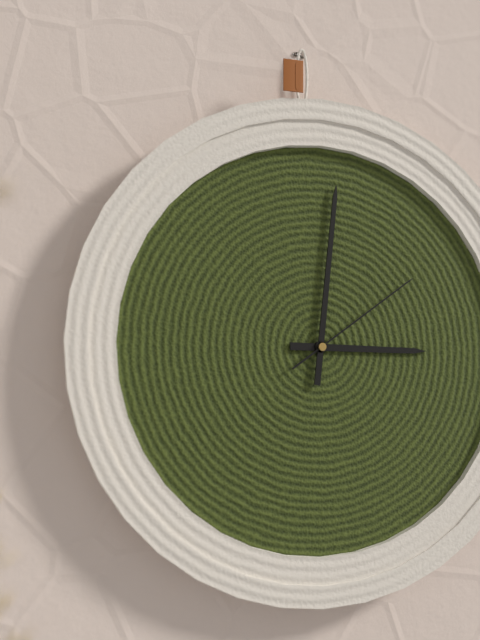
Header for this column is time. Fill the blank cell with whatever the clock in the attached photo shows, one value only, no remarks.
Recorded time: 3:01:09
